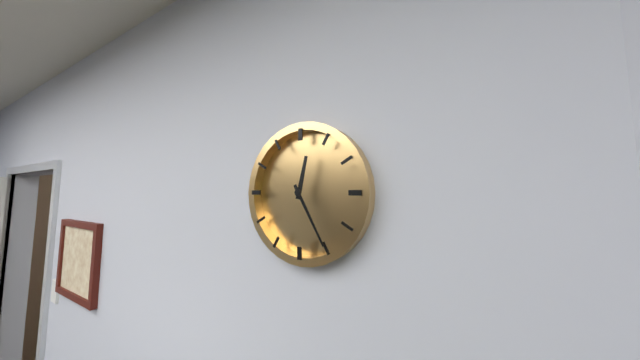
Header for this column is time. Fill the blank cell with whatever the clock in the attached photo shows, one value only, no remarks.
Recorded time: 12:25
